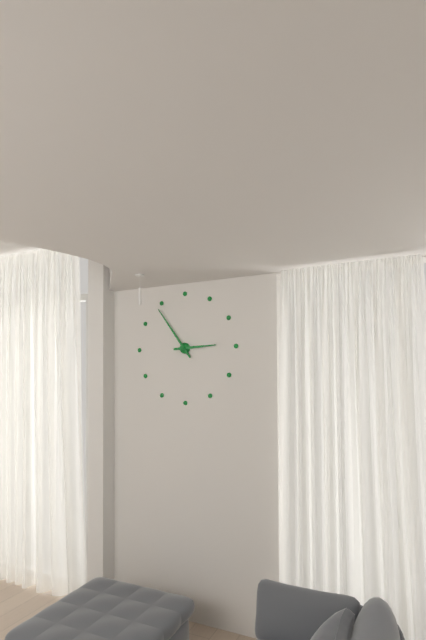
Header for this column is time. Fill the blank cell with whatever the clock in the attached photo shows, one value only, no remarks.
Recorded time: 2:54
